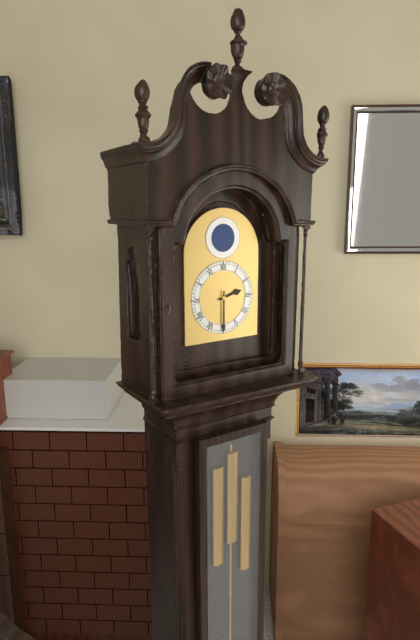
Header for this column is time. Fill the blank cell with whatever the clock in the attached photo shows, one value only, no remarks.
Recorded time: 2:30
